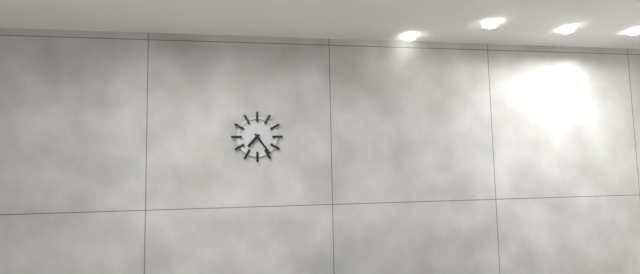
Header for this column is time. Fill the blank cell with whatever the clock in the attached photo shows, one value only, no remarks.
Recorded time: 7:24
